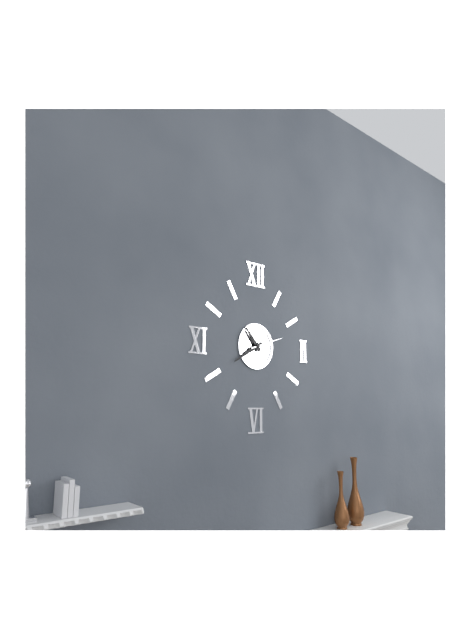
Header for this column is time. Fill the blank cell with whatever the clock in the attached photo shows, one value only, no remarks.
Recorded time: 10:40
